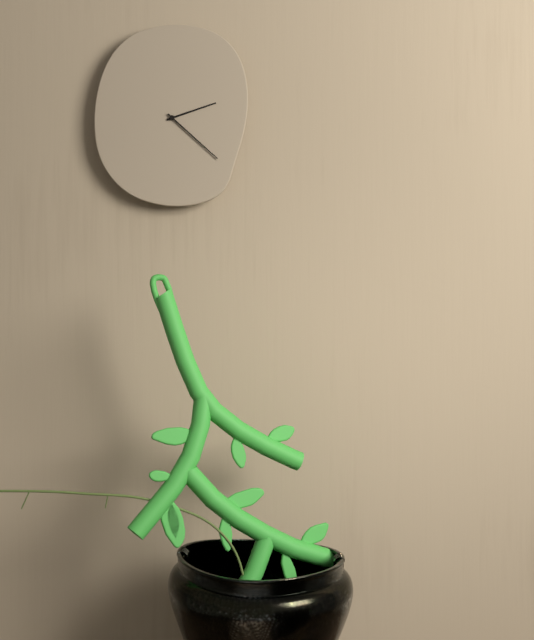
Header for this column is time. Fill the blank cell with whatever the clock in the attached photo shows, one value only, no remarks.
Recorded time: 2:22
